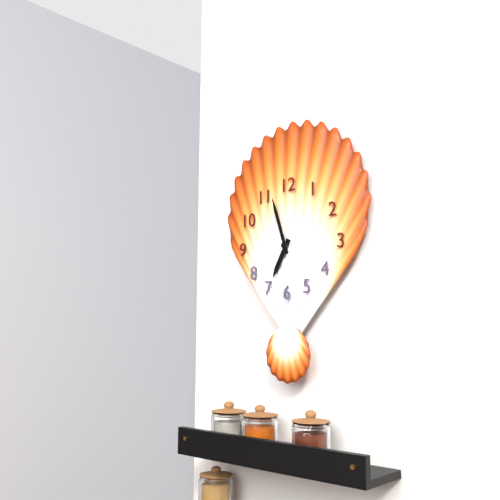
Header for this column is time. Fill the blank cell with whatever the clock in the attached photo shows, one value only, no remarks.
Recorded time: 6:57
